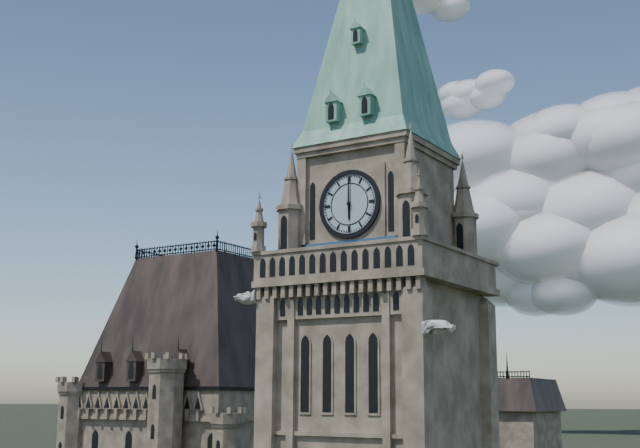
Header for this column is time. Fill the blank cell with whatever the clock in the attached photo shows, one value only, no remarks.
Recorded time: 6:00
